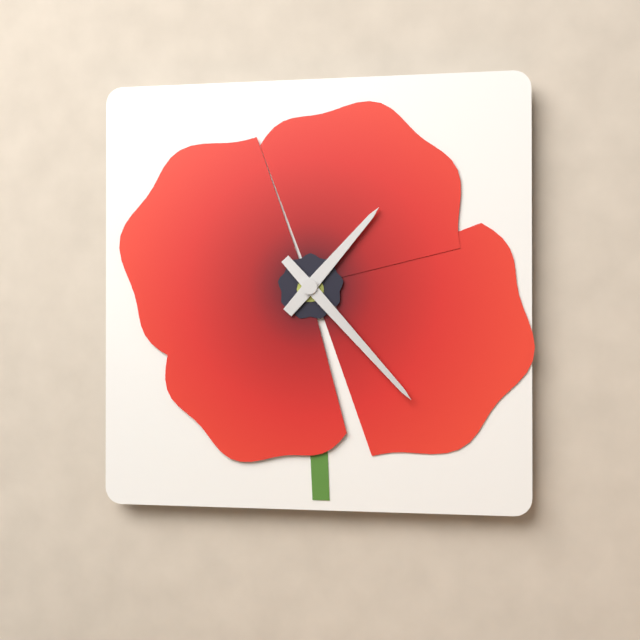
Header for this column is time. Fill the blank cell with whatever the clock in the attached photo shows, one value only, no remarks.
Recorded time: 1:23
